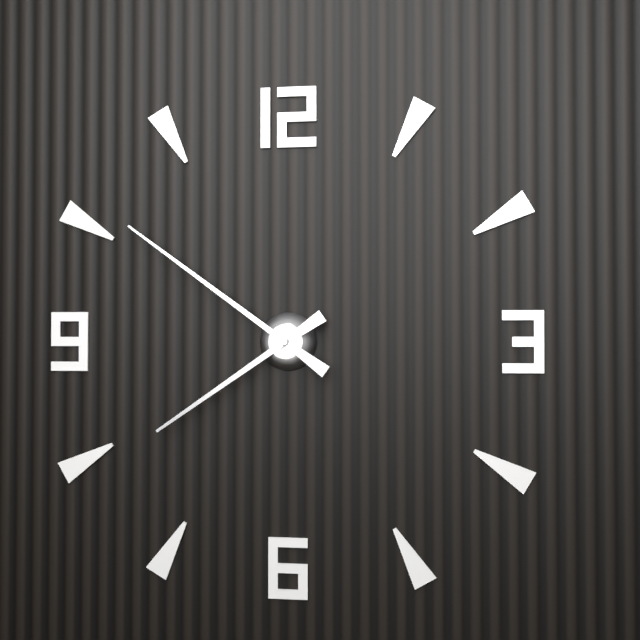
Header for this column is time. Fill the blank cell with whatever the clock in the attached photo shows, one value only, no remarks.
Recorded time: 7:51
